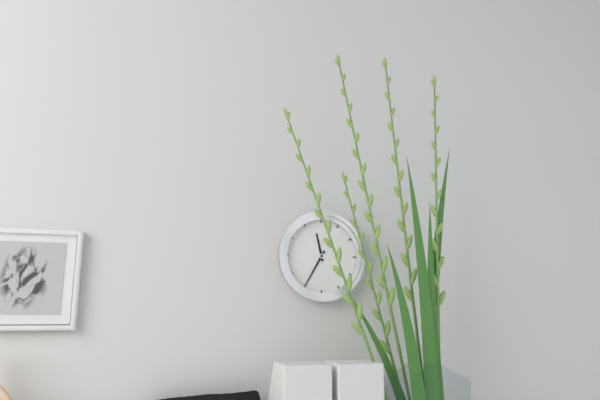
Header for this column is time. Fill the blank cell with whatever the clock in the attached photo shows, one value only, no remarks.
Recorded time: 11:35
